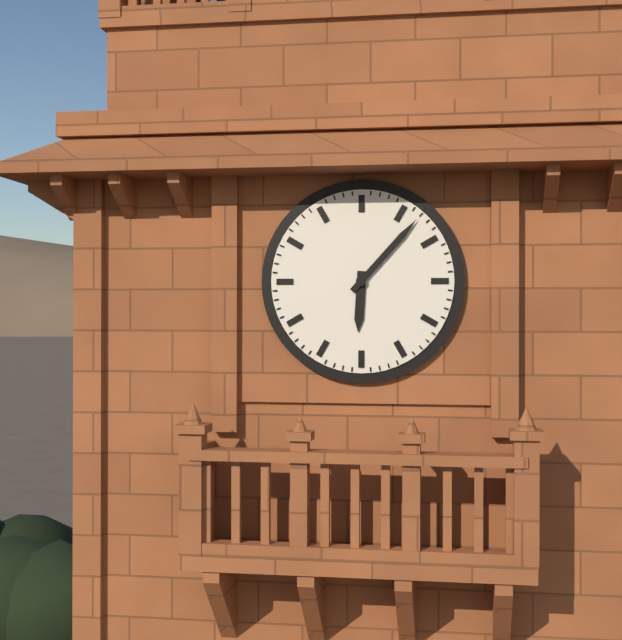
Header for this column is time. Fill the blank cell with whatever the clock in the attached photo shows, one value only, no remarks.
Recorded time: 6:07
